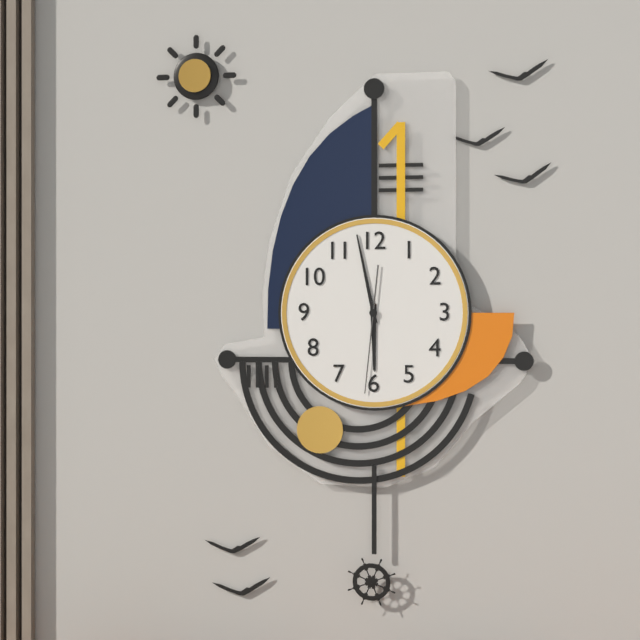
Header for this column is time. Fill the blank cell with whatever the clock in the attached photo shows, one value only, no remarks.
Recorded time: 5:58:31
